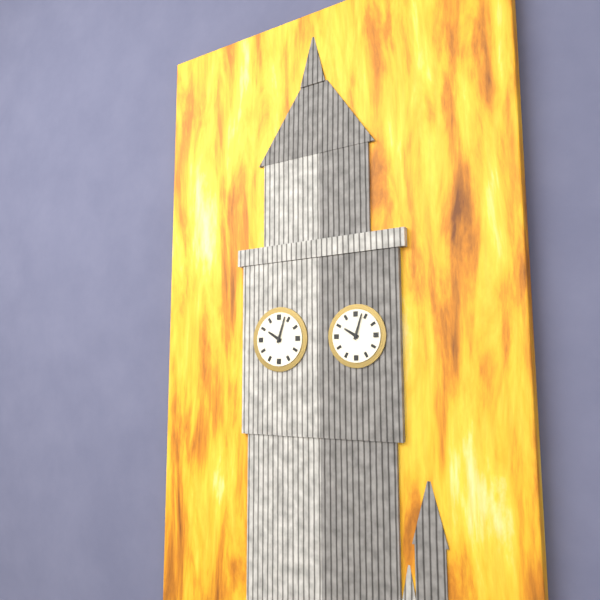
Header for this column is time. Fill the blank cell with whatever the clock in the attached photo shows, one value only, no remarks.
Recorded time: 10:03
